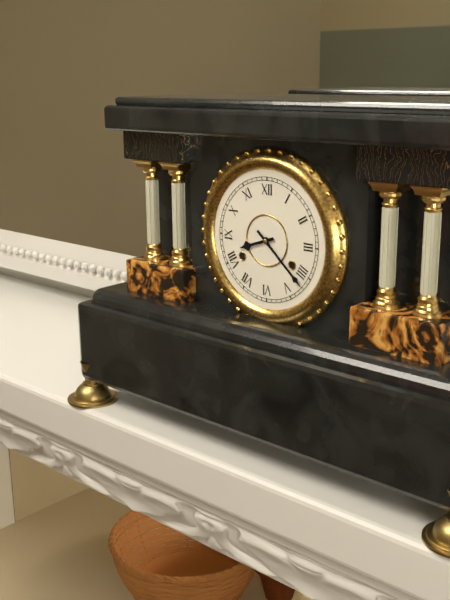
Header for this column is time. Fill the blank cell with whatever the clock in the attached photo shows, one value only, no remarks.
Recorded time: 8:22
